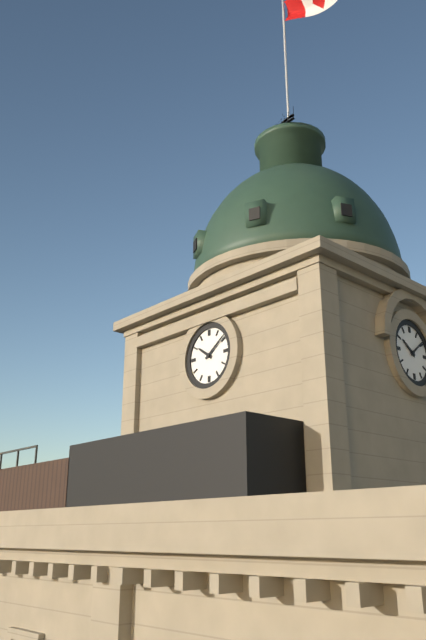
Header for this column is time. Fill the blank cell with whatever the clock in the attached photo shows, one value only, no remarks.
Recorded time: 10:09
